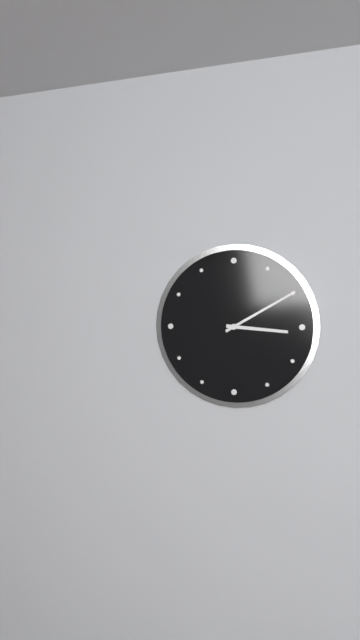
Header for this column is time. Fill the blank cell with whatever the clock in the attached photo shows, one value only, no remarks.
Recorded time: 3:10
